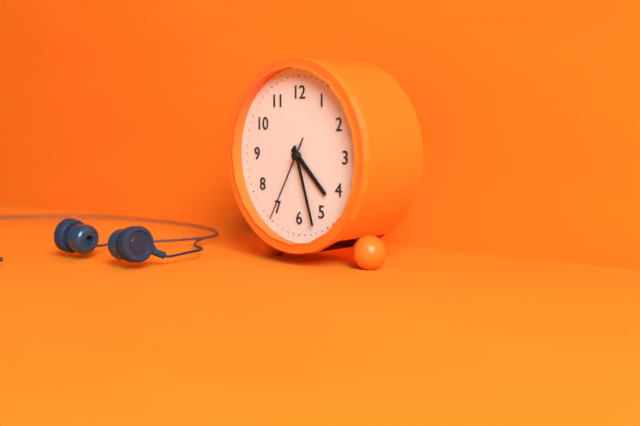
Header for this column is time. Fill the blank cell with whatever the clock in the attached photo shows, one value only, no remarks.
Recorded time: 4:27:35
